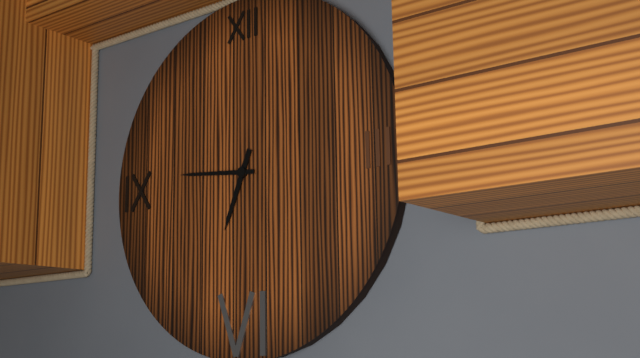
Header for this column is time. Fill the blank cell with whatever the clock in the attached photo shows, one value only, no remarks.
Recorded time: 6:46
